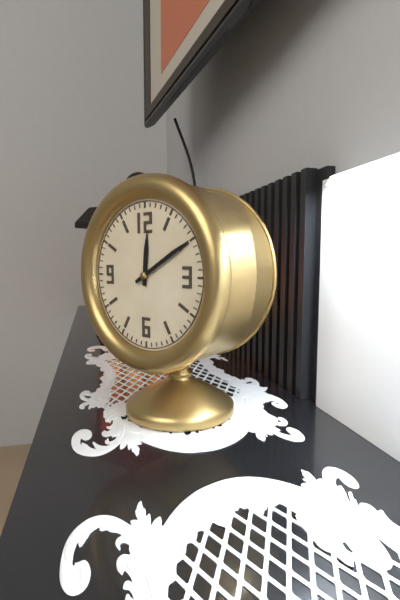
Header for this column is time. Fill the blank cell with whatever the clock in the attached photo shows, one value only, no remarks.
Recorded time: 12:10
